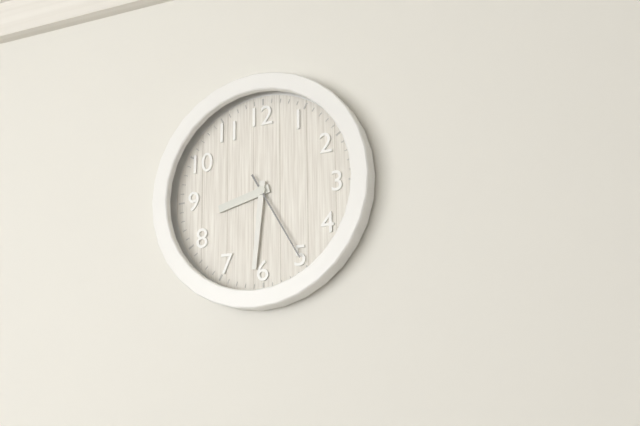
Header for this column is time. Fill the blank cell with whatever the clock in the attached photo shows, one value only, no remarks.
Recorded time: 8:31:25
